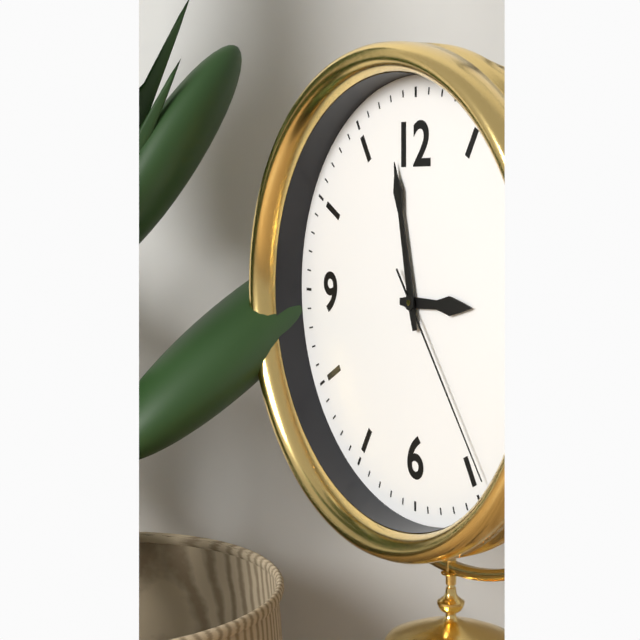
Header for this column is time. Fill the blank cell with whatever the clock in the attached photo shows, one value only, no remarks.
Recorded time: 2:58:24
